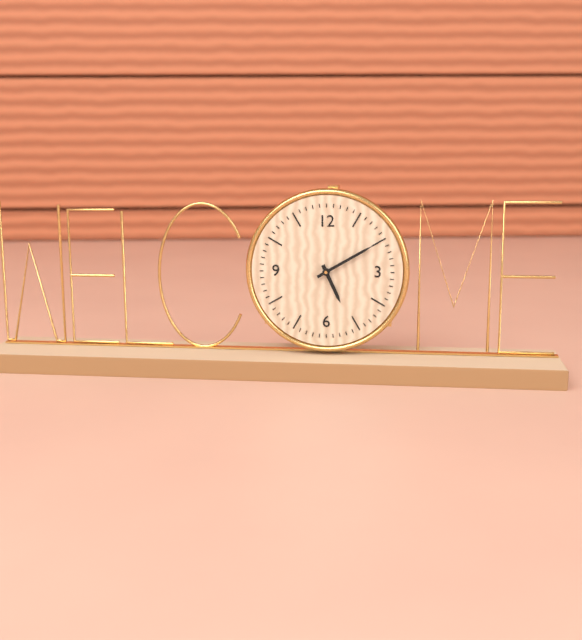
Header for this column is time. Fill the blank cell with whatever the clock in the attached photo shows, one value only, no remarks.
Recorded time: 5:10
